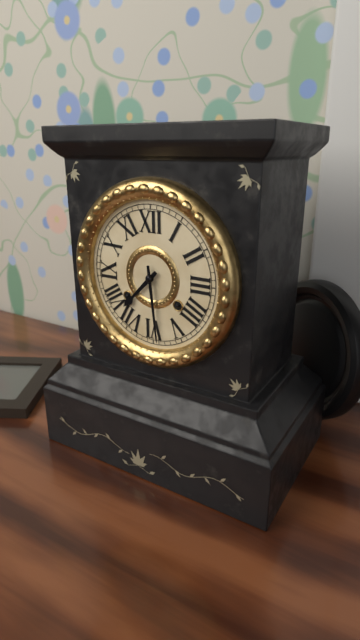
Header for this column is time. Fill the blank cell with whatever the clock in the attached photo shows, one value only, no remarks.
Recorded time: 7:29
